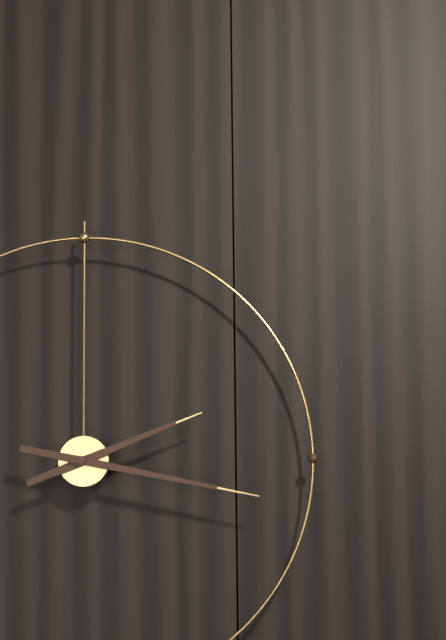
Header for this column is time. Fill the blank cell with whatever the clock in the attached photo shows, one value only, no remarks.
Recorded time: 2:17
